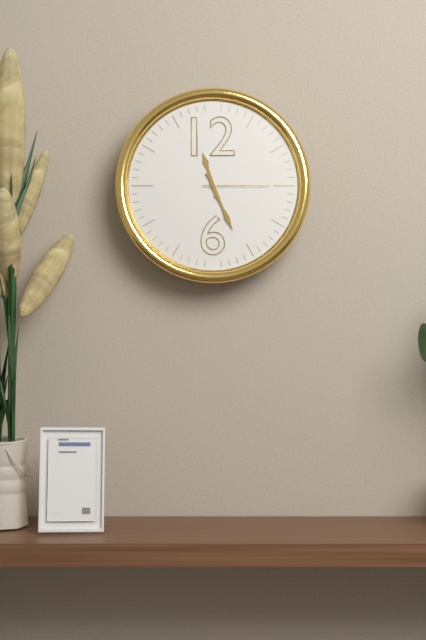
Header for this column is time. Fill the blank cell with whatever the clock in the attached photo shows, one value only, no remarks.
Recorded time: 11:26:15
